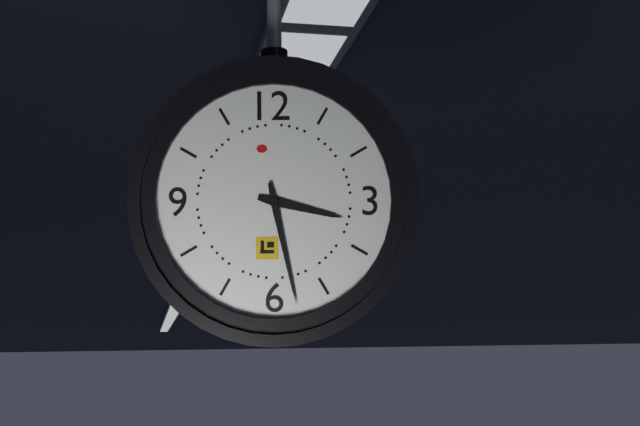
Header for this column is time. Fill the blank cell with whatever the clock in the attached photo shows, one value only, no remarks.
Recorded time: 3:28
